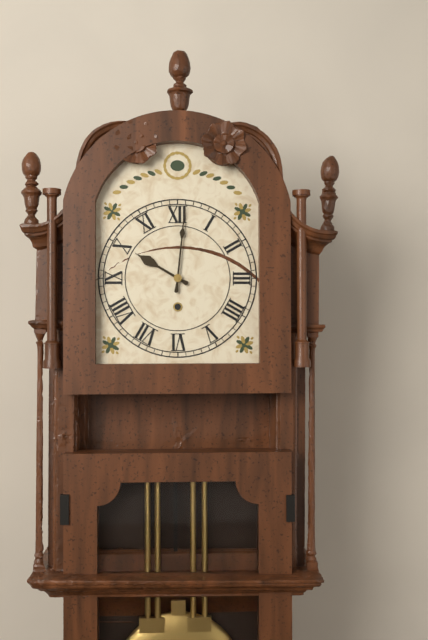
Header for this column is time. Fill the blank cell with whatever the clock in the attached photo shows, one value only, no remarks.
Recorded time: 10:01
